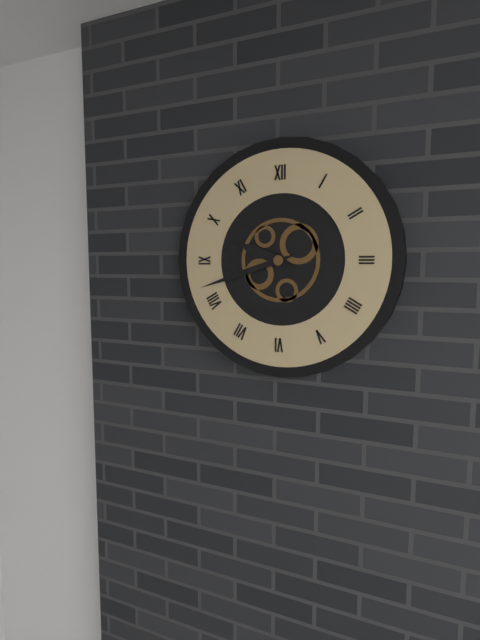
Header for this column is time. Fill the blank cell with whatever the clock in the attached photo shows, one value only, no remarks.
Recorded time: 9:42
